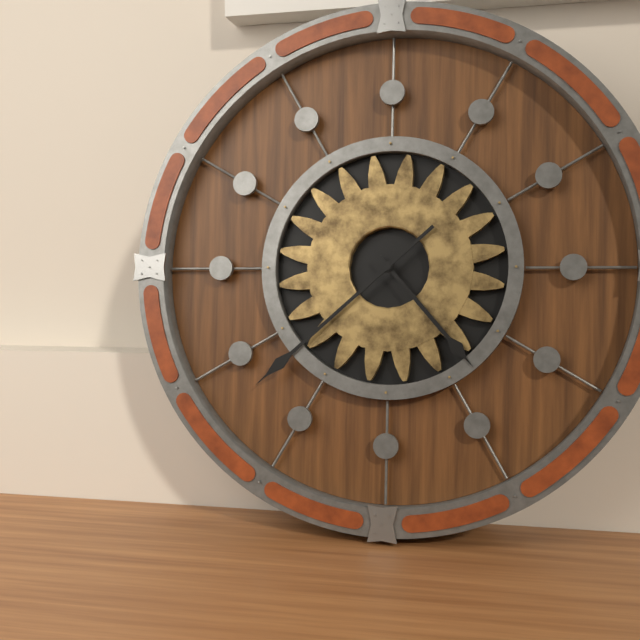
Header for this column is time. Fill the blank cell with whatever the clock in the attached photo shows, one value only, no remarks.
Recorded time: 4:38
